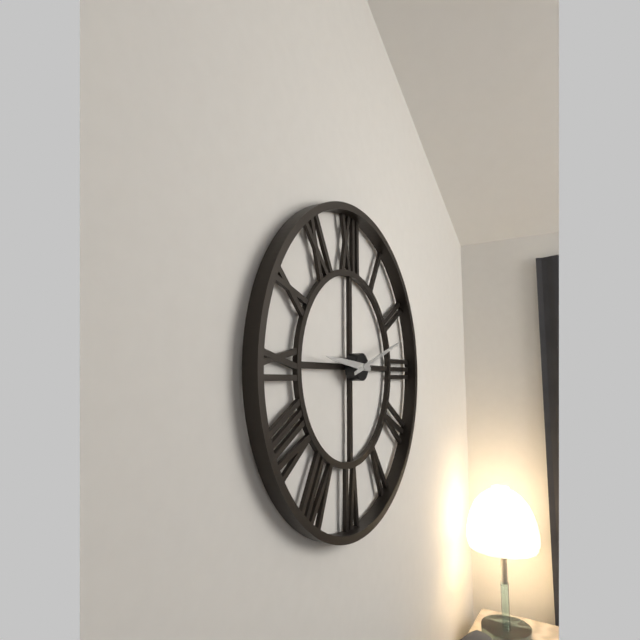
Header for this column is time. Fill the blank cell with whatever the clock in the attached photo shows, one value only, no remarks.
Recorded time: 9:12
